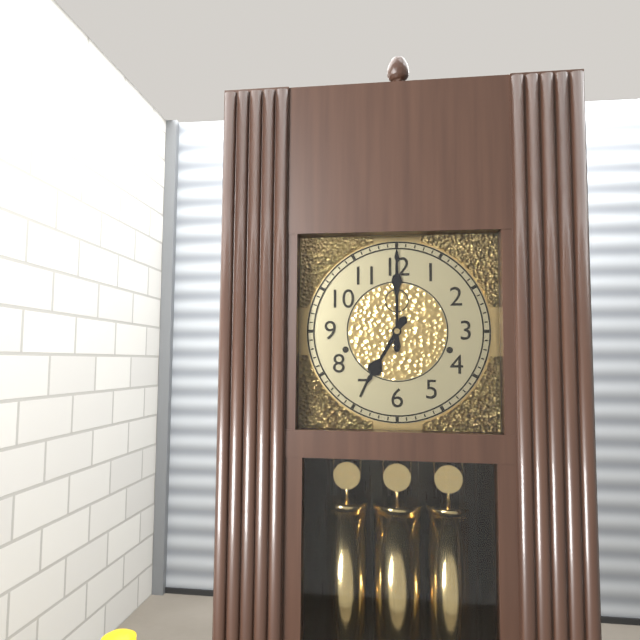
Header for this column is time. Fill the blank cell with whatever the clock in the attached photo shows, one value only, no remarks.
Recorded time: 7:00
